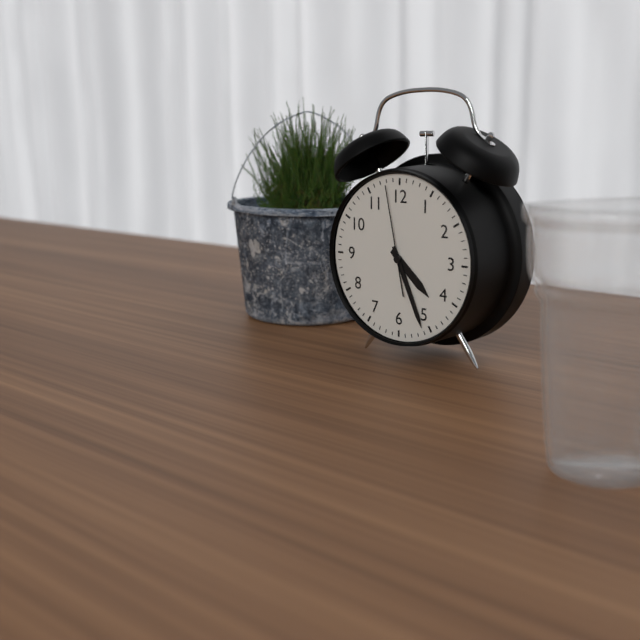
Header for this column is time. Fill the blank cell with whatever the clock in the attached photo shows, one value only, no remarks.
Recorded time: 4:26:58
